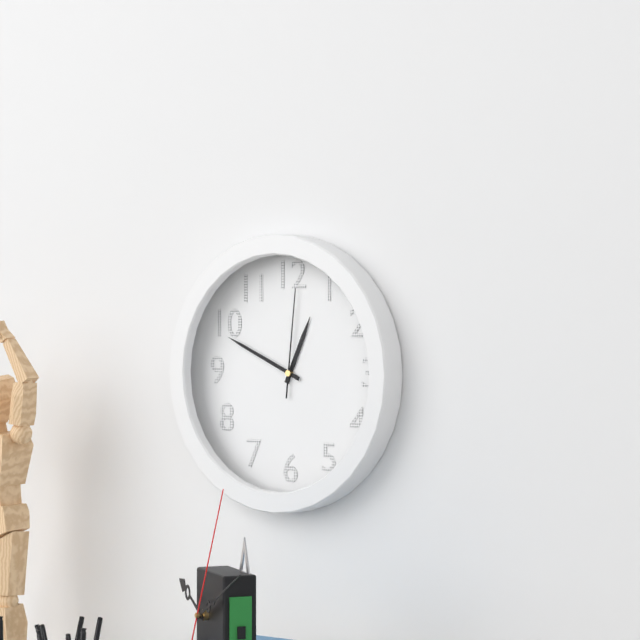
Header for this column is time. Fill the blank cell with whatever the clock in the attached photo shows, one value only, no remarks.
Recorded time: 12:49:01
